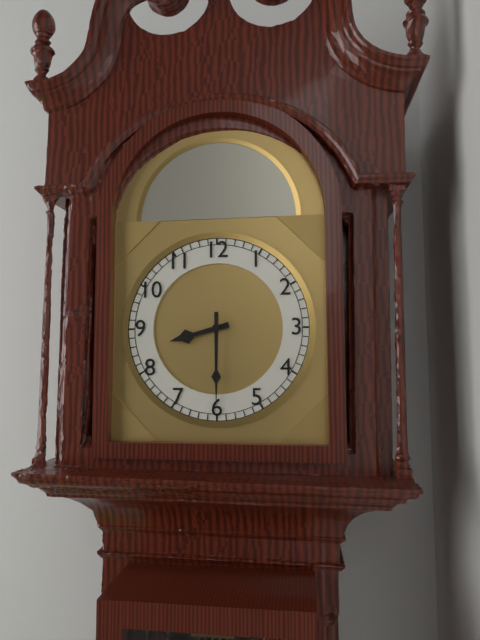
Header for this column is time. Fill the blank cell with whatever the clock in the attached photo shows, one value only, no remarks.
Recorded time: 8:30
